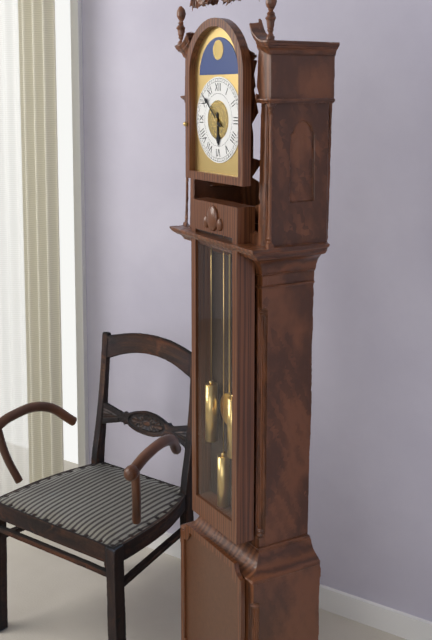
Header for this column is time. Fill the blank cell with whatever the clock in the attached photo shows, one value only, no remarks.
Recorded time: 5:52
